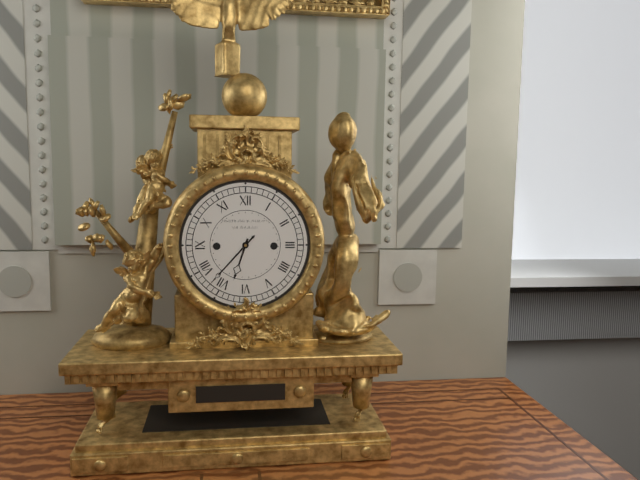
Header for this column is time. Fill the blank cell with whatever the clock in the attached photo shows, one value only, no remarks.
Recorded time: 6:37
